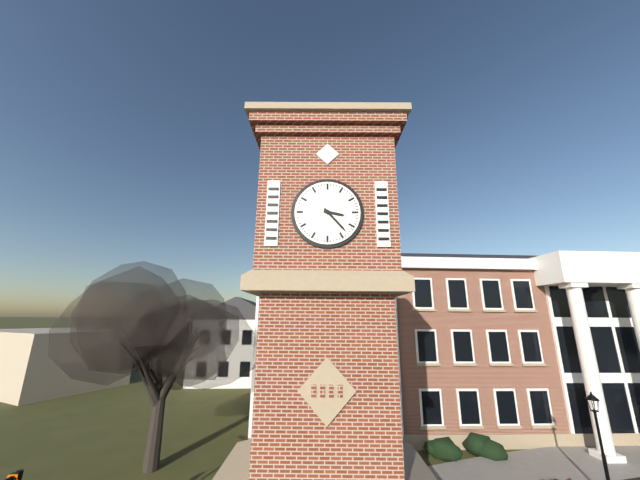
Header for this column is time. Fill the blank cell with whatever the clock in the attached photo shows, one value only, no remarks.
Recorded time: 3:23
